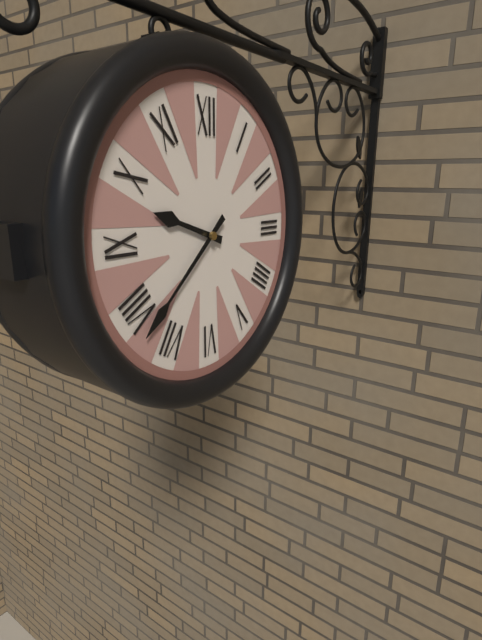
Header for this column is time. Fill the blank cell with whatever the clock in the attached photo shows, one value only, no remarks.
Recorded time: 9:38
